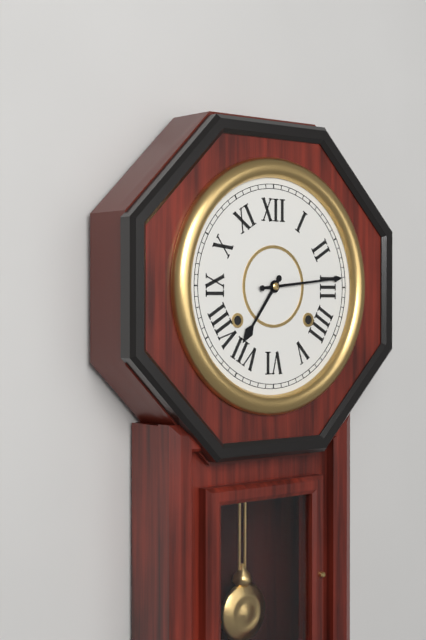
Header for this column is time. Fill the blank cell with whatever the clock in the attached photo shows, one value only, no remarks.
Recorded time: 7:14
